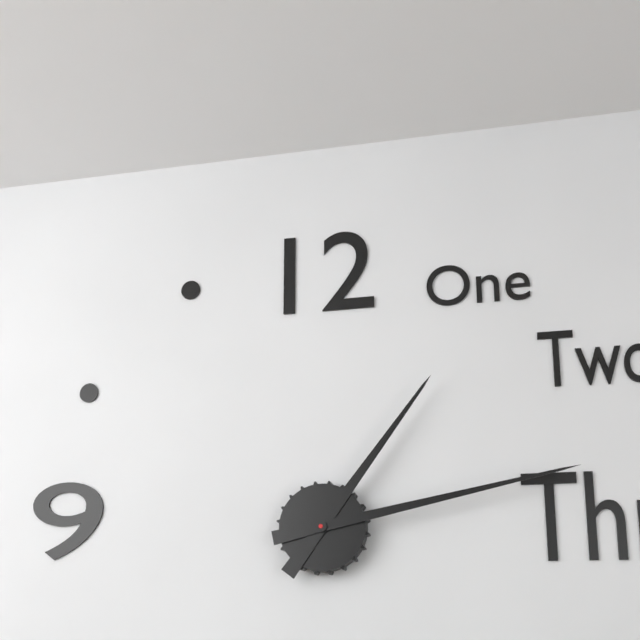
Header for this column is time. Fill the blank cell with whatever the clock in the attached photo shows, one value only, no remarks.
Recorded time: 1:13
